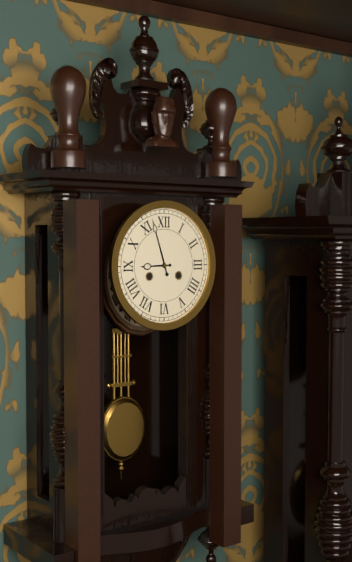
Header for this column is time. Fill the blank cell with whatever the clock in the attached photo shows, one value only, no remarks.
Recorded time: 8:57
